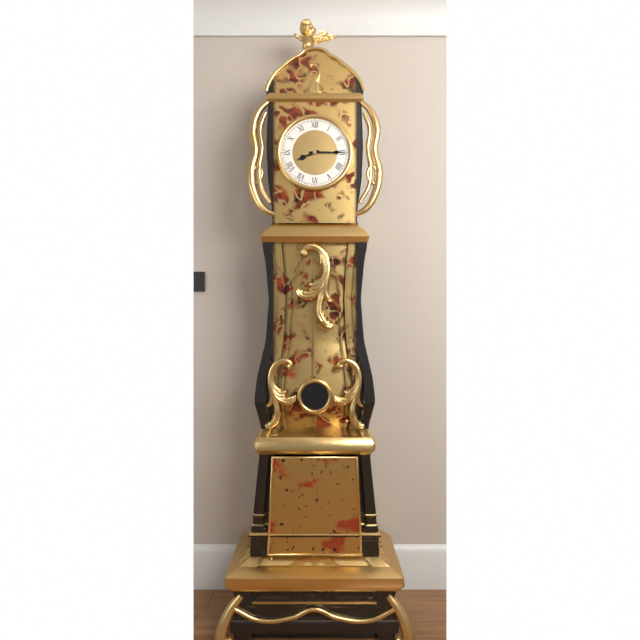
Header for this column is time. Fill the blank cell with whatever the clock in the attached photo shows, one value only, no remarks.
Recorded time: 8:15
